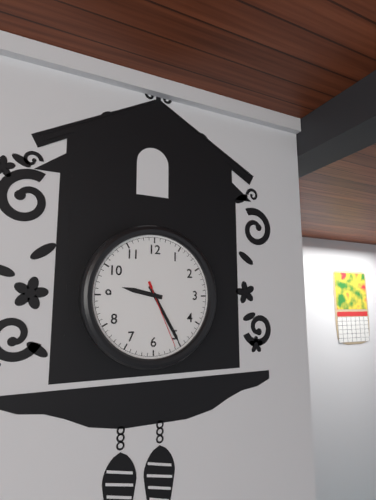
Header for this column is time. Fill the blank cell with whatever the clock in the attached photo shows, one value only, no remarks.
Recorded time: 9:25:26
